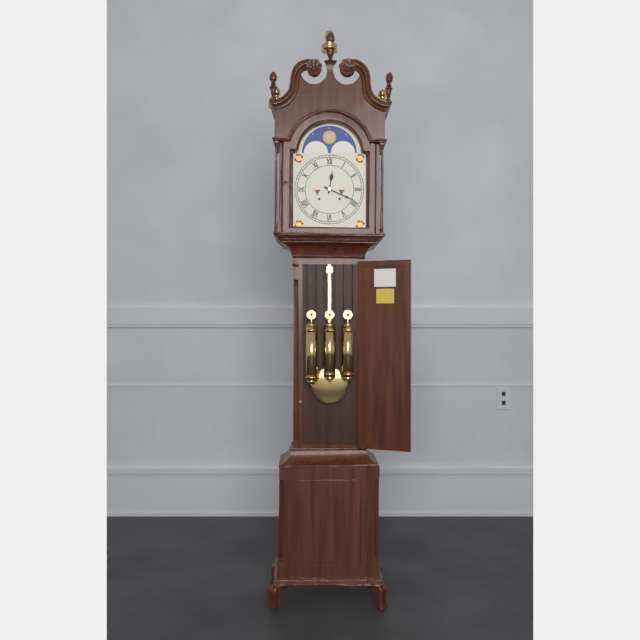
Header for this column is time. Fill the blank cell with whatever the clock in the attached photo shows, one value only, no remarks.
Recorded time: 12:19
